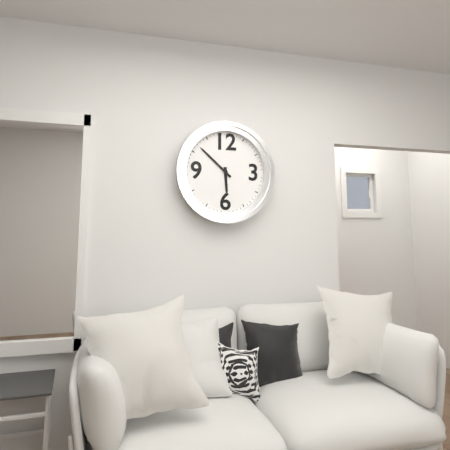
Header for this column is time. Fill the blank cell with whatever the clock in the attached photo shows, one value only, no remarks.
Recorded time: 5:52
